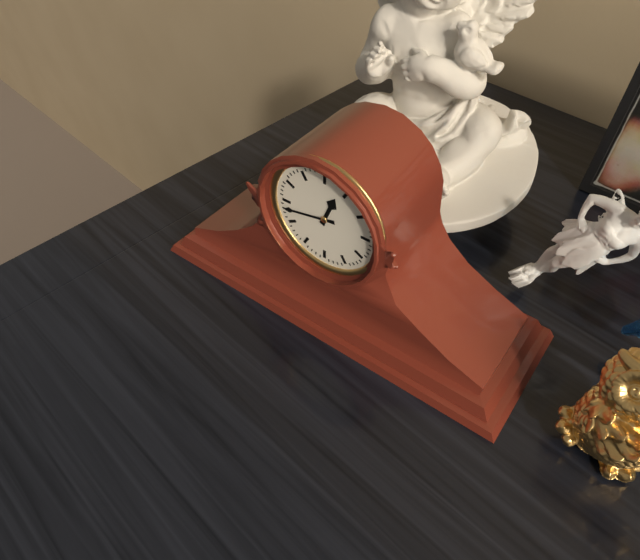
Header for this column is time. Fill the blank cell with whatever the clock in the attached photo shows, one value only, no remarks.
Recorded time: 12:43
